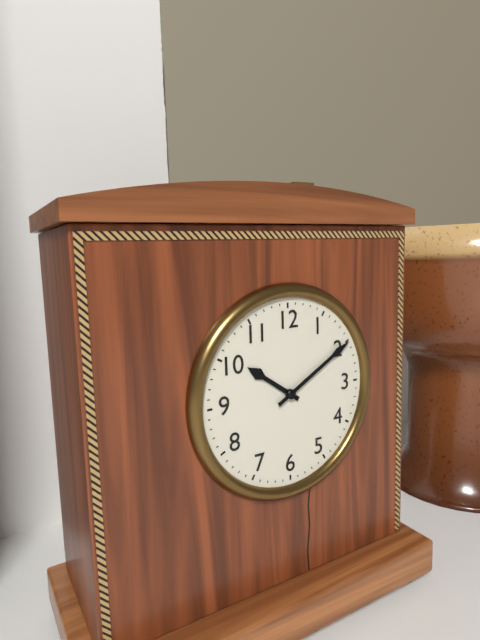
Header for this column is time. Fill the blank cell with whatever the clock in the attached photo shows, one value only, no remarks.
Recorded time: 10:10
